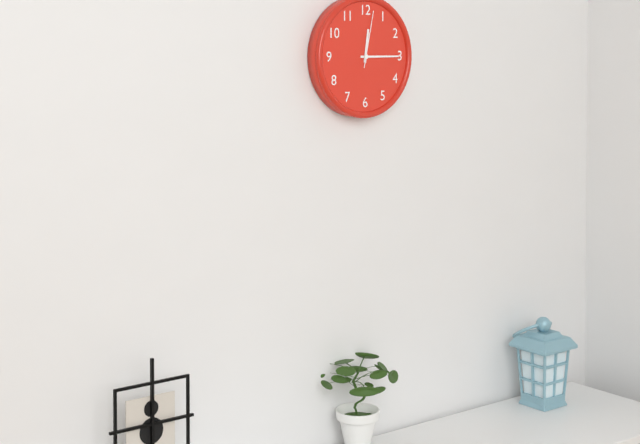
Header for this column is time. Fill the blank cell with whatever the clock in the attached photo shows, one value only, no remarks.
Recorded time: 12:15:02
